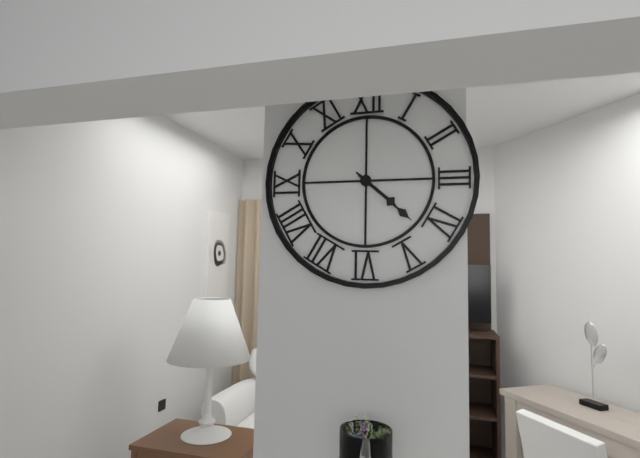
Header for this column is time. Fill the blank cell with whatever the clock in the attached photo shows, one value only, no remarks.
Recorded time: 4:22
